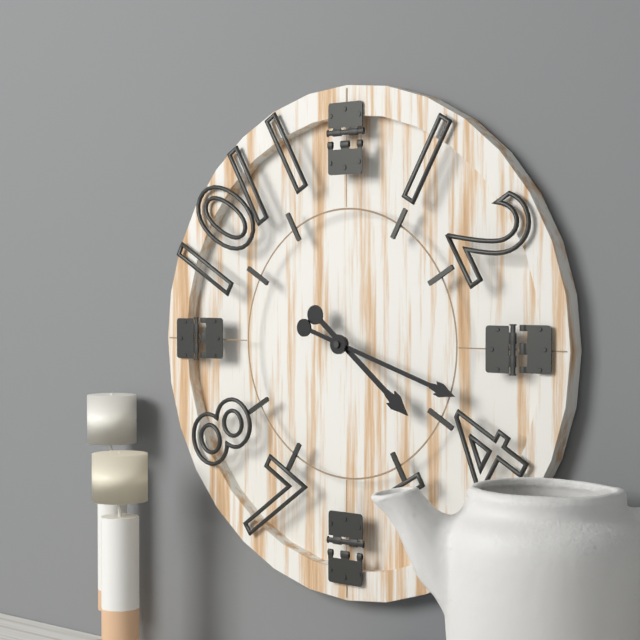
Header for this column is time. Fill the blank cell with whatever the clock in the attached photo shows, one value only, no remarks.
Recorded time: 4:18
